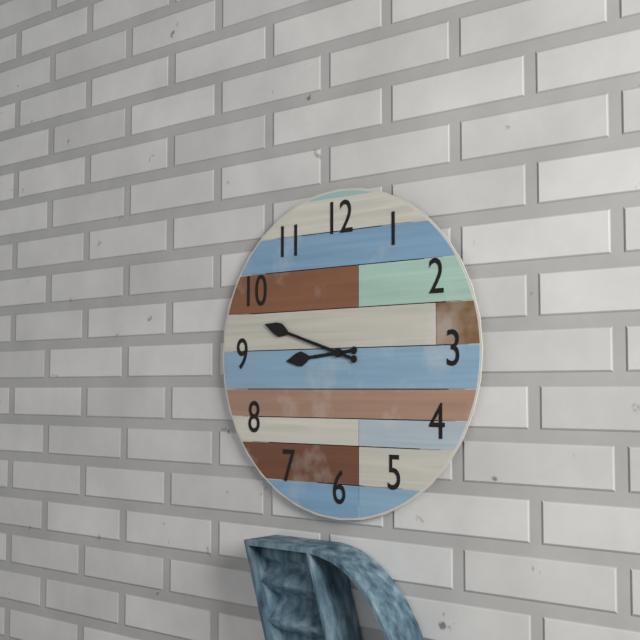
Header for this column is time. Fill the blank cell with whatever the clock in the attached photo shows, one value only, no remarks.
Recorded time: 8:48
